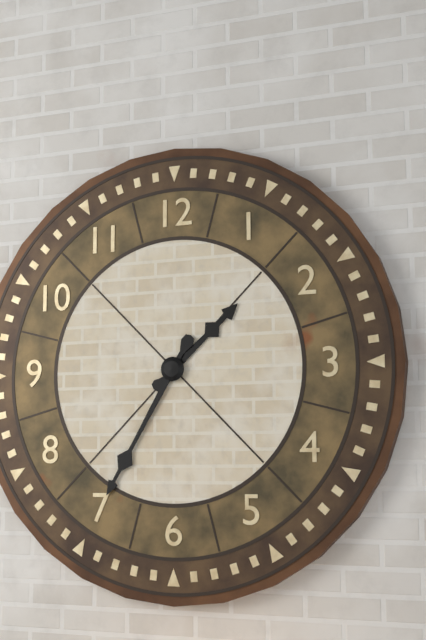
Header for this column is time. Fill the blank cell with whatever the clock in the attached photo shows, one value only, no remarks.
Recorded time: 1:35
